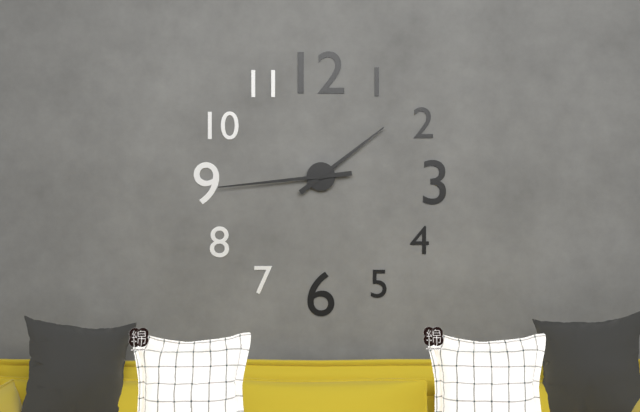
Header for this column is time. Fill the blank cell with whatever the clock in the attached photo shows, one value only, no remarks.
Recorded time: 1:44
